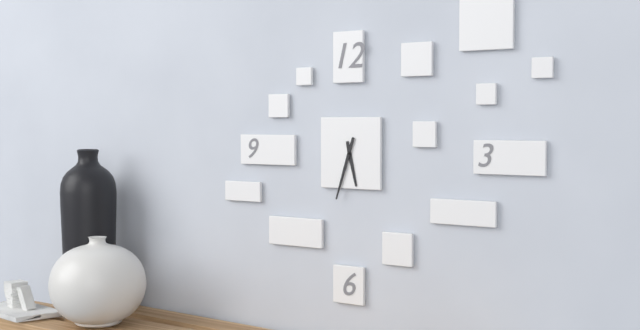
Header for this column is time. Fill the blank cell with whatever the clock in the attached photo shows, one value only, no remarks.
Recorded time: 5:33
